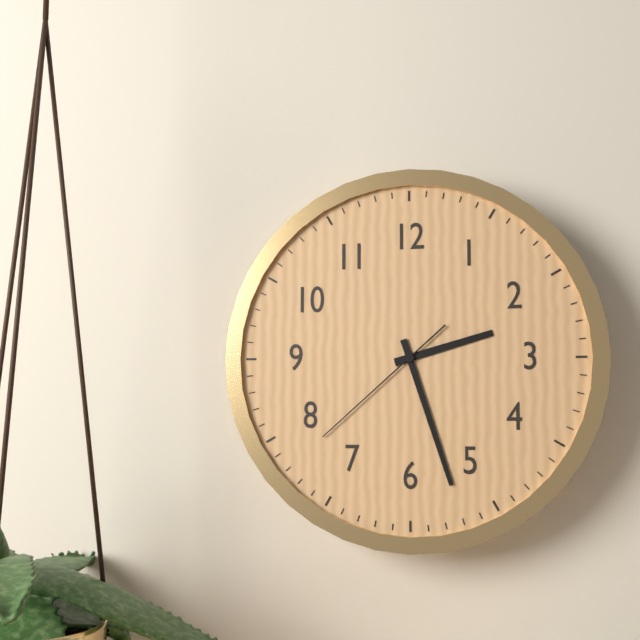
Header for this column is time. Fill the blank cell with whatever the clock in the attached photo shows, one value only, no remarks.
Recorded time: 2:27:38
